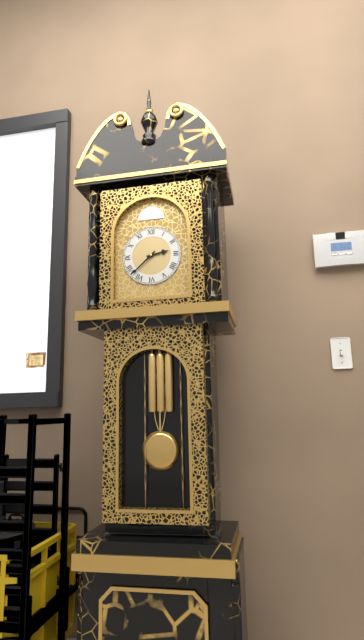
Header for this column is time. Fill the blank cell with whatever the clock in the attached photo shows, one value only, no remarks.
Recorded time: 2:38
